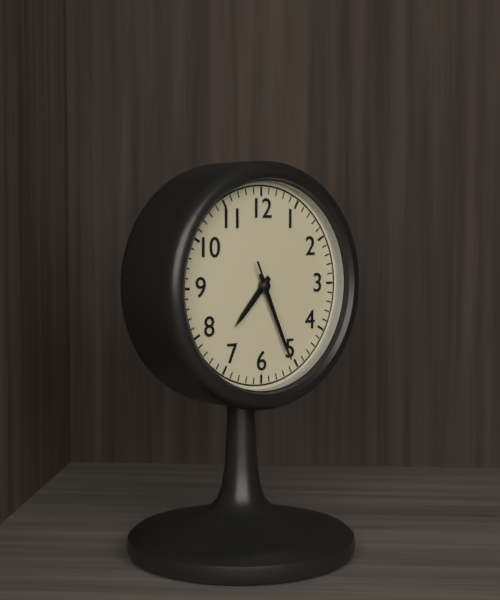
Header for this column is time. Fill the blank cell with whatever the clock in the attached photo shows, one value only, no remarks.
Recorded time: 7:26:26
